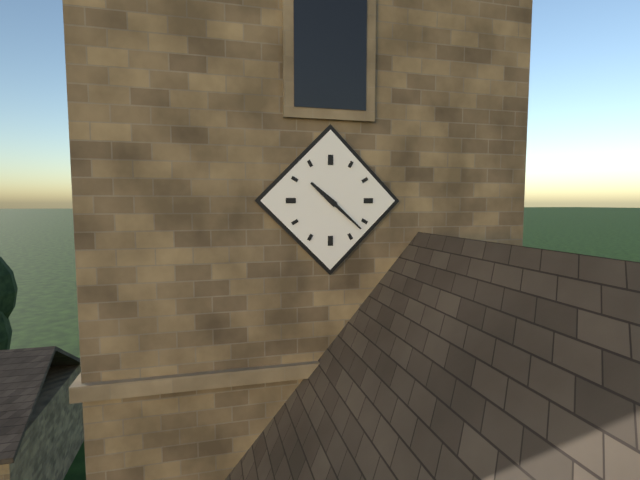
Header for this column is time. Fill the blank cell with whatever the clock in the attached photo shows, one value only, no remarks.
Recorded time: 10:22
